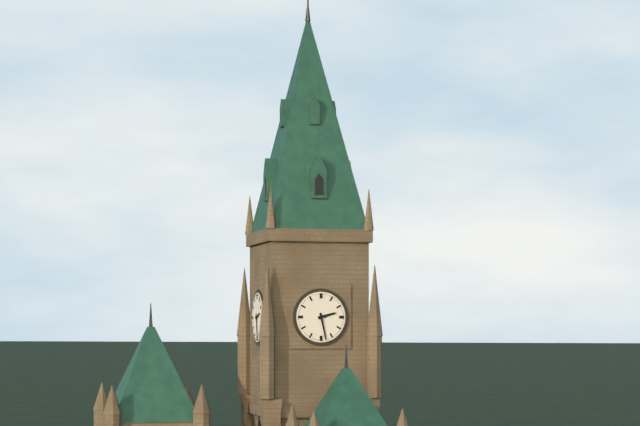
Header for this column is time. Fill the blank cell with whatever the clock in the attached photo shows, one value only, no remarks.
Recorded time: 2:28
